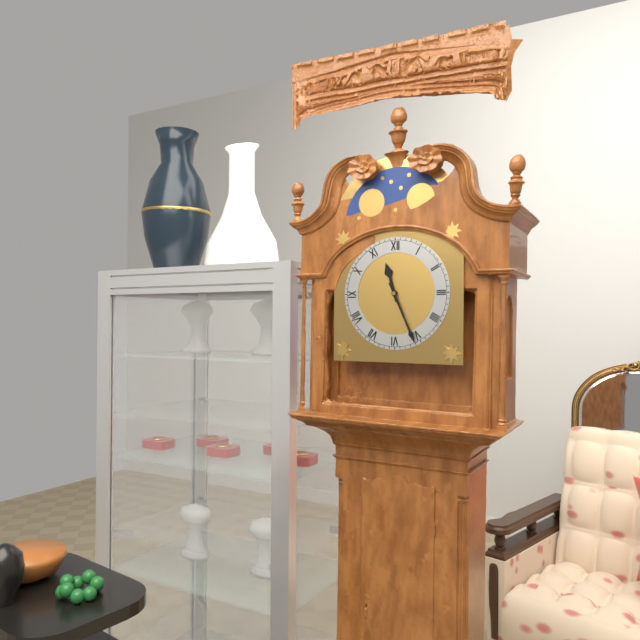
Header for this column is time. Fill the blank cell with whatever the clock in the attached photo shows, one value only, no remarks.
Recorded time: 11:26
